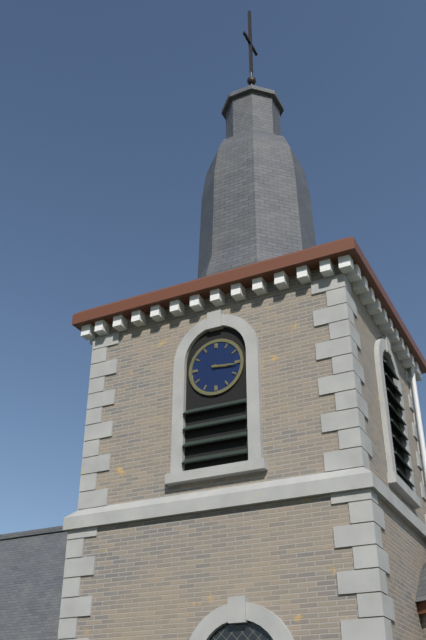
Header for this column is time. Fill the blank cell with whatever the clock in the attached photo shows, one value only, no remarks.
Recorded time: 3:16
